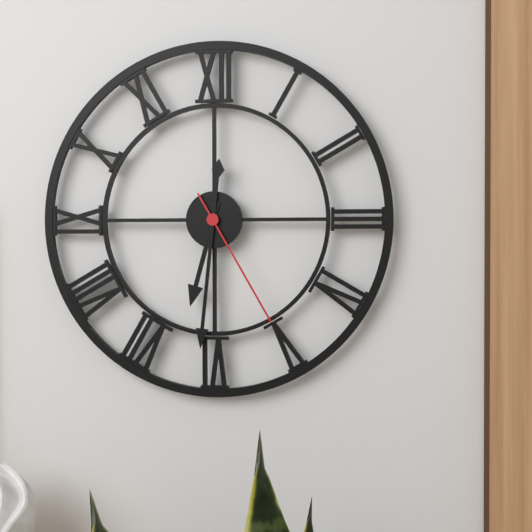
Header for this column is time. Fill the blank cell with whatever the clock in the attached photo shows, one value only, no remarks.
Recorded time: 6:31:25
